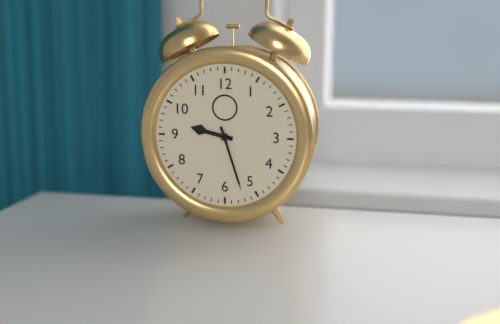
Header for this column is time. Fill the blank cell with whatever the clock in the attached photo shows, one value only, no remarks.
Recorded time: 9:27
